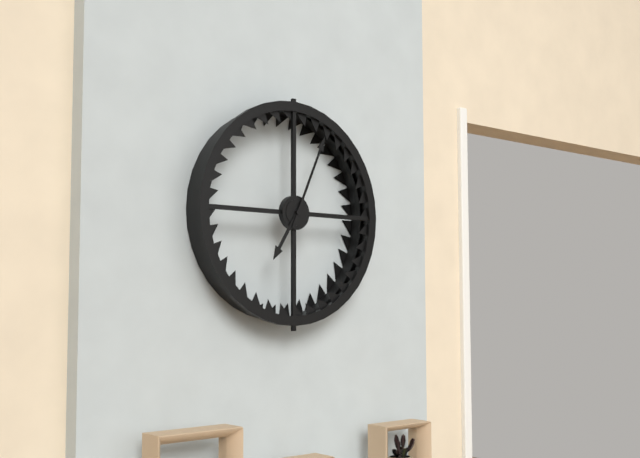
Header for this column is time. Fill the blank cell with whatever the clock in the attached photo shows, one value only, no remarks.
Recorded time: 7:04
